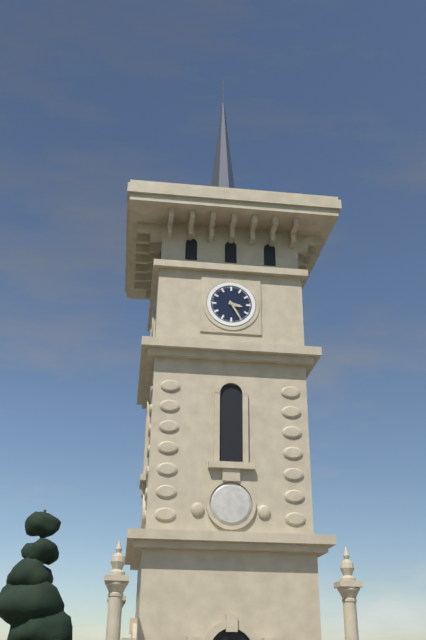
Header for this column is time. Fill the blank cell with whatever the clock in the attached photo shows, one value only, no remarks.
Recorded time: 3:25
